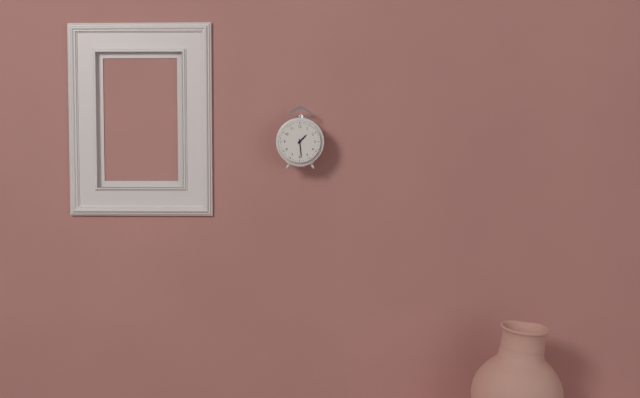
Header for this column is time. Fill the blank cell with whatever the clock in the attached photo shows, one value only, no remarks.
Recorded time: 1:29
